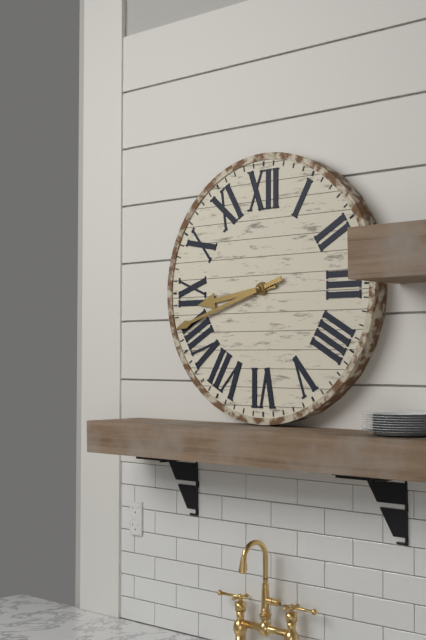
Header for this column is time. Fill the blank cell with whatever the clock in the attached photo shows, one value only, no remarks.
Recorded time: 8:42
